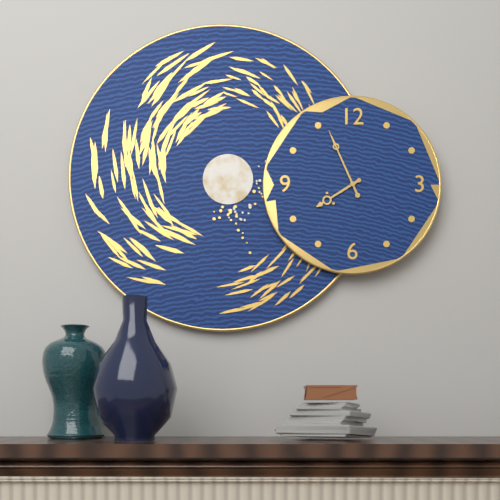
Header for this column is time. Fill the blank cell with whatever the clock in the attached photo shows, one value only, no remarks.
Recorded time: 7:56
